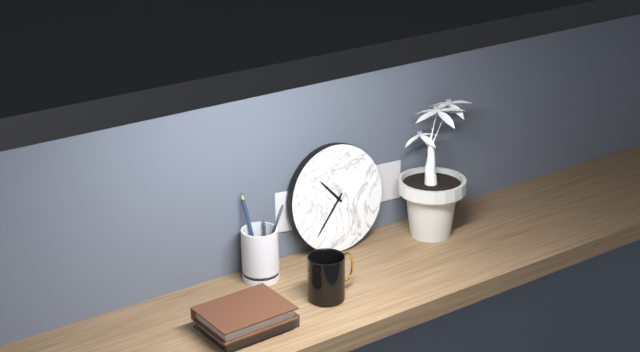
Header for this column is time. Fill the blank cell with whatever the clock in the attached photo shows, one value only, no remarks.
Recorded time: 10:37
